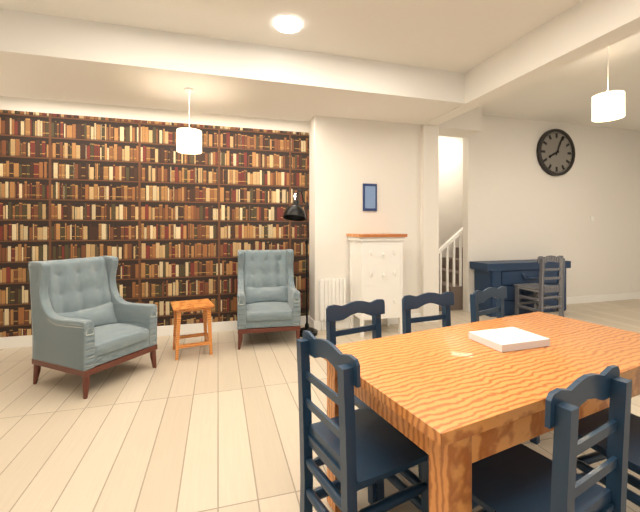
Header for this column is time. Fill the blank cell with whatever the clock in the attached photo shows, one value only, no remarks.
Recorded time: 8:04
